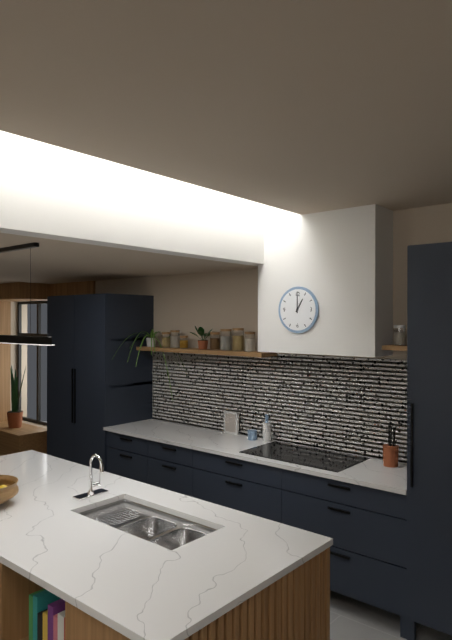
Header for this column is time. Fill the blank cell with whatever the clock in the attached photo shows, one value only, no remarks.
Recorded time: 1:00
